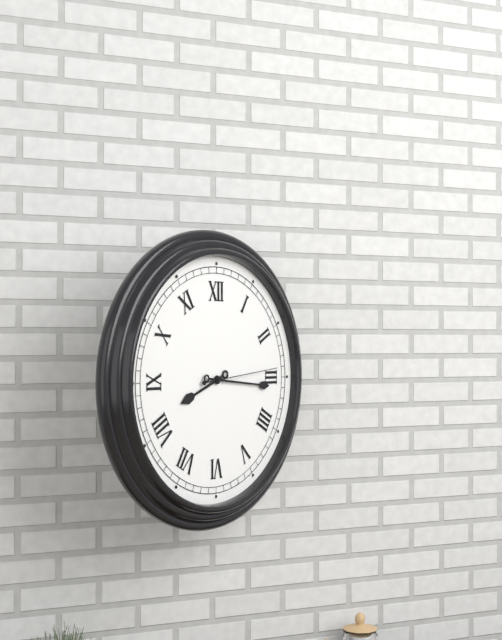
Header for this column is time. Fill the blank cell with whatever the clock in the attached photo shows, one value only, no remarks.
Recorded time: 8:16:14
